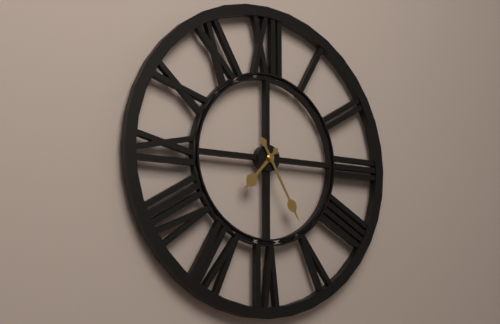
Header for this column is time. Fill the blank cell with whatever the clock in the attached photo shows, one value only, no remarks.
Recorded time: 7:25
